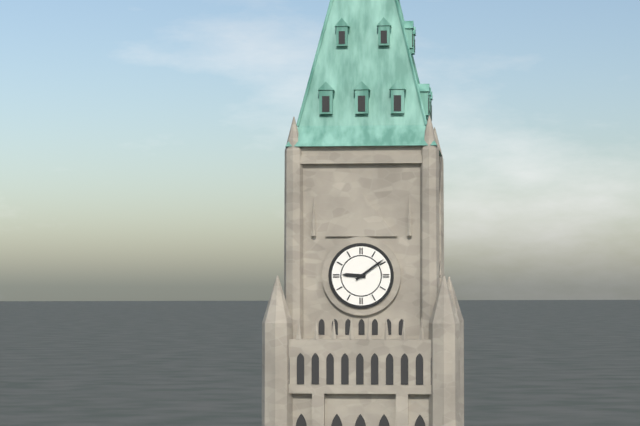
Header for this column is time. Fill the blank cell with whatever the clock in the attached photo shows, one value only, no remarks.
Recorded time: 9:09
